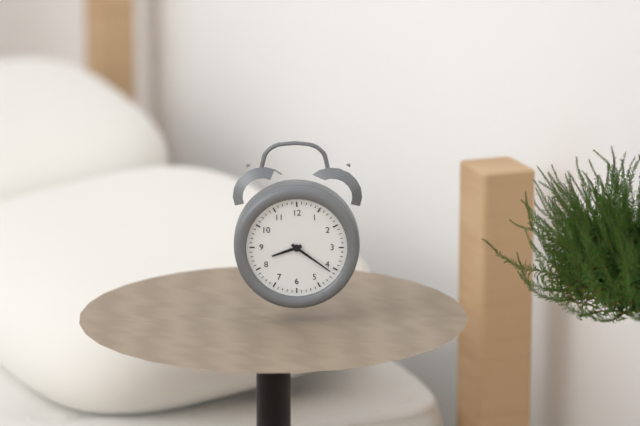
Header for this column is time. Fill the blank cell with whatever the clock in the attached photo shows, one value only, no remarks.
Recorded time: 8:21
